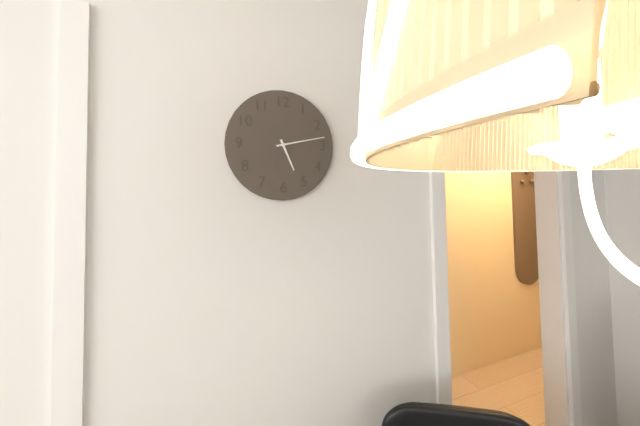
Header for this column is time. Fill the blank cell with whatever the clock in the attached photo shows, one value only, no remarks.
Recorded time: 5:13
